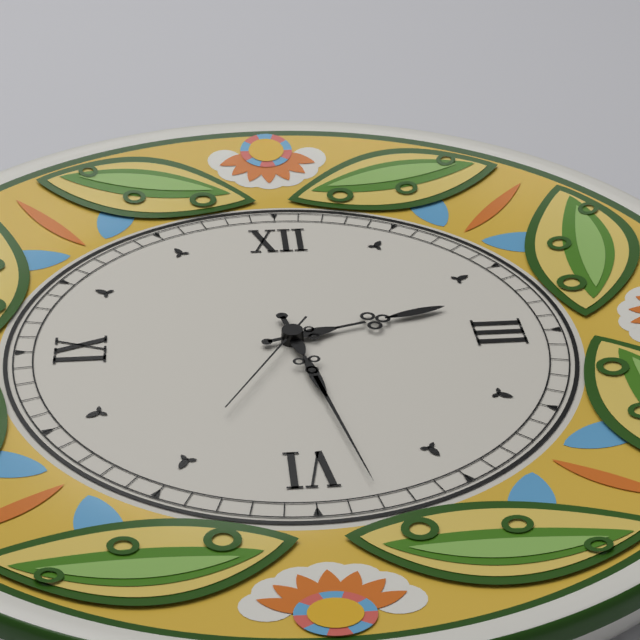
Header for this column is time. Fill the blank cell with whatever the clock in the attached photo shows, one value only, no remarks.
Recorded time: 2:28:35
